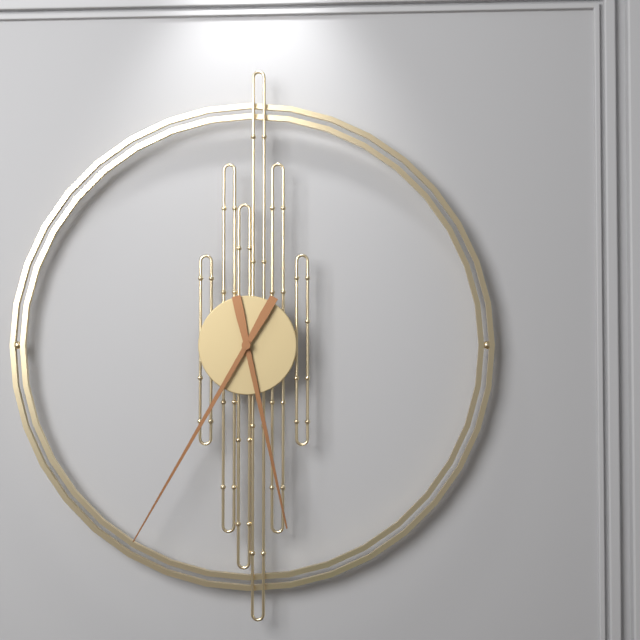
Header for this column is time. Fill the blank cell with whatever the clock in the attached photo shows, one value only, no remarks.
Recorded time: 5:35
